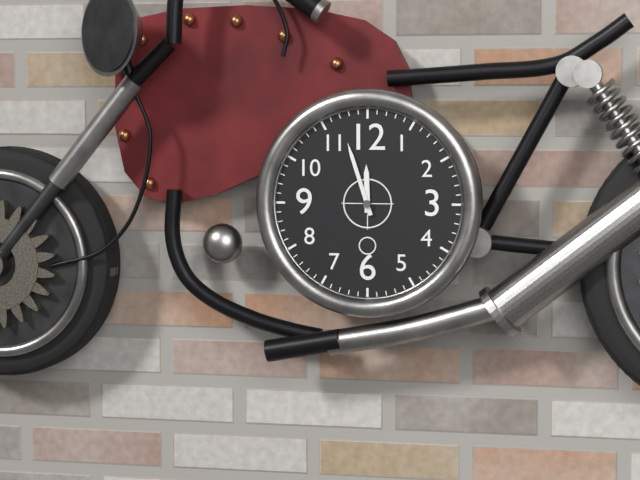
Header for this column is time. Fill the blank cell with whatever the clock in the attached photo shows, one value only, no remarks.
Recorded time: 11:57
